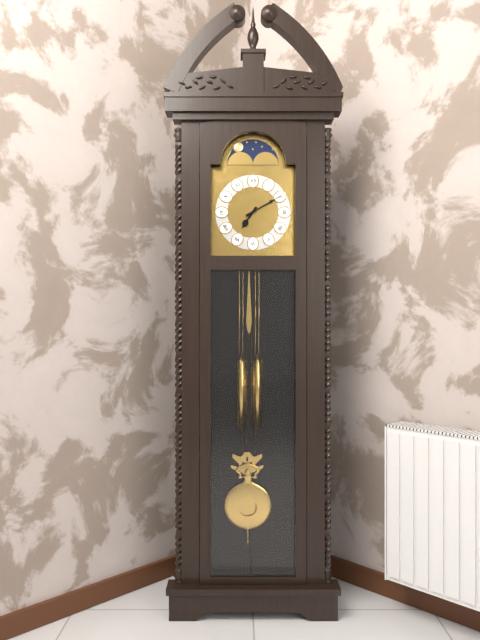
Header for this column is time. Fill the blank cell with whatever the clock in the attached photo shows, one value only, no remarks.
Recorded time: 7:10
